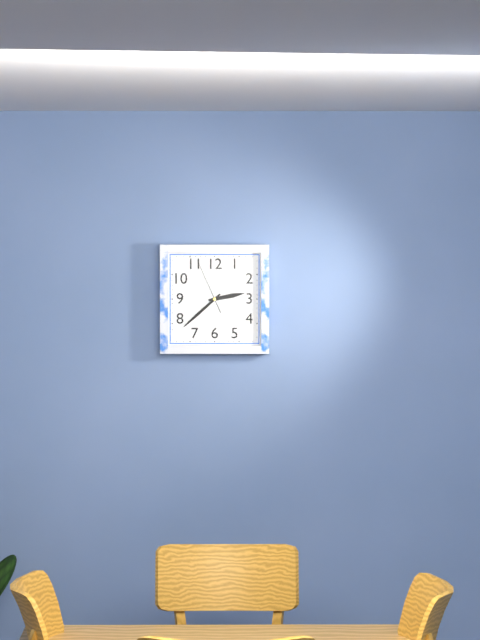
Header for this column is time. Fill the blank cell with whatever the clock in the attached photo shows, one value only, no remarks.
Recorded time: 2:38:56
